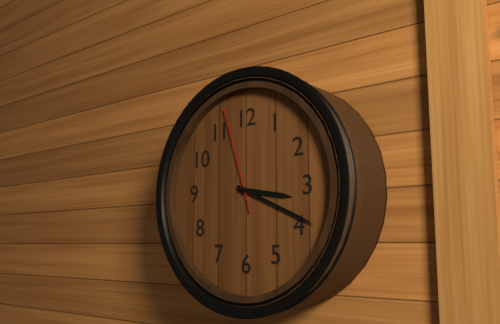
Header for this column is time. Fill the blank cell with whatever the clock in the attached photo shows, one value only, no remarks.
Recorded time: 3:19:57
